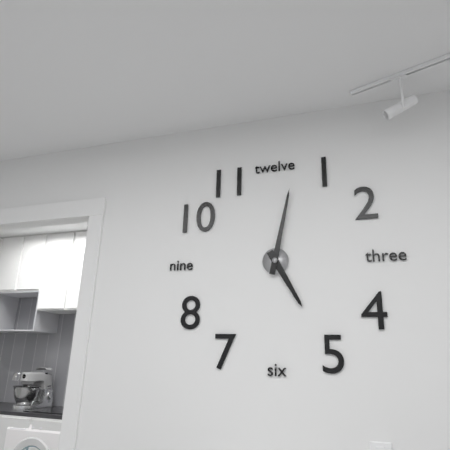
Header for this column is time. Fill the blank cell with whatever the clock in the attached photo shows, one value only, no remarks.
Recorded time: 5:02
